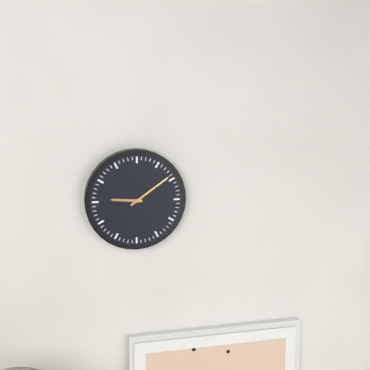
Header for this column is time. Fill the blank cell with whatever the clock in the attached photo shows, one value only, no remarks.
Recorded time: 9:09
